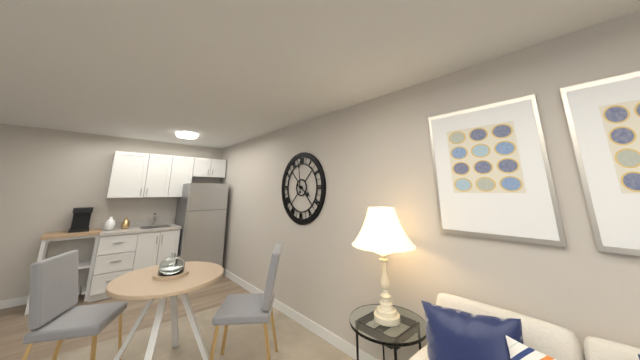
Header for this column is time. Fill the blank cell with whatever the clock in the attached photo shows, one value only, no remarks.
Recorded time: 3:59
